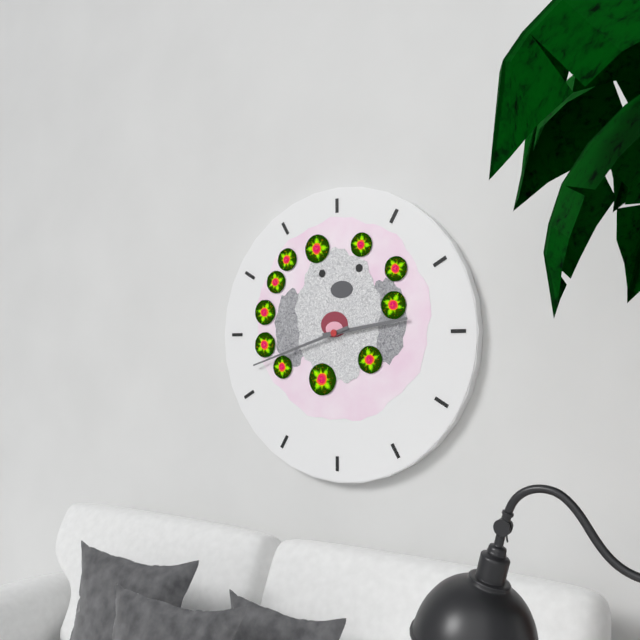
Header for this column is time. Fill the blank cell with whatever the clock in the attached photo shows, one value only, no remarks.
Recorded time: 2:42
